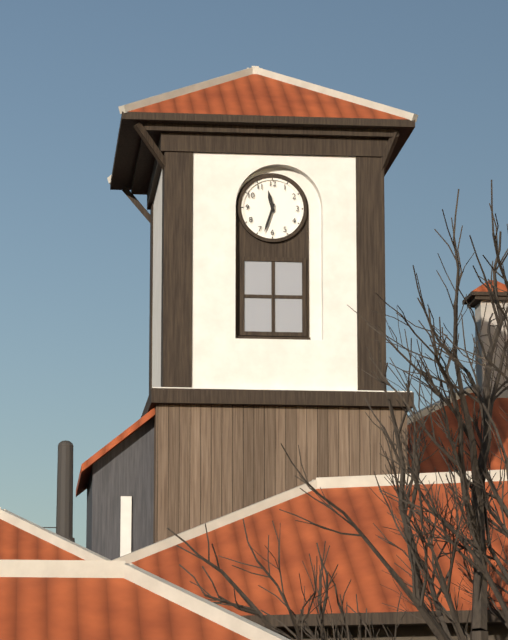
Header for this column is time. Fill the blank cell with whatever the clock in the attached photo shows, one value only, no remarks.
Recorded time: 11:33
